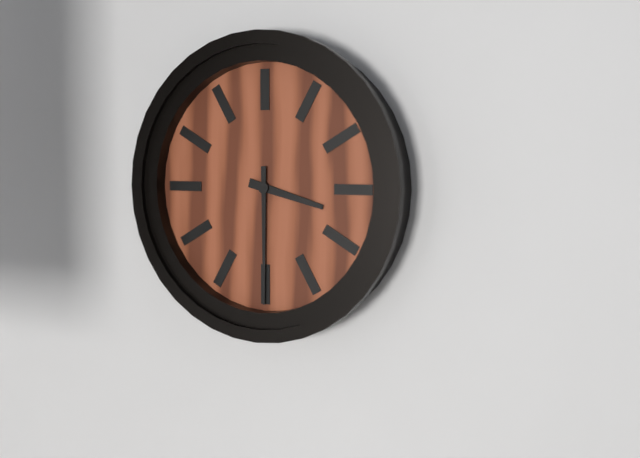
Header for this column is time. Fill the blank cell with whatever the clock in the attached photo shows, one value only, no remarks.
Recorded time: 3:30
